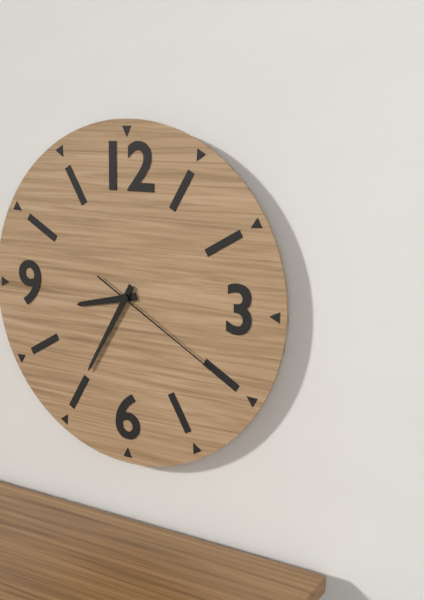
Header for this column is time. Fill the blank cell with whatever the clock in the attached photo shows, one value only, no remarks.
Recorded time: 8:35:20
